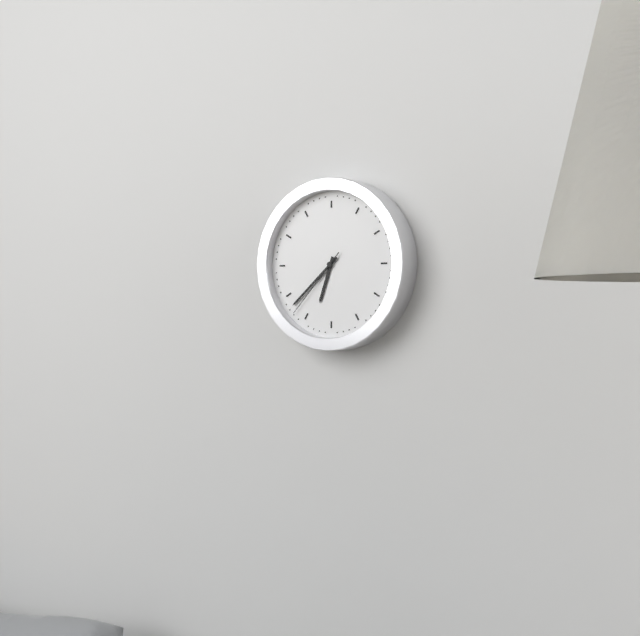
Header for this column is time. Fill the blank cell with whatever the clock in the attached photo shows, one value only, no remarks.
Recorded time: 6:38:37
